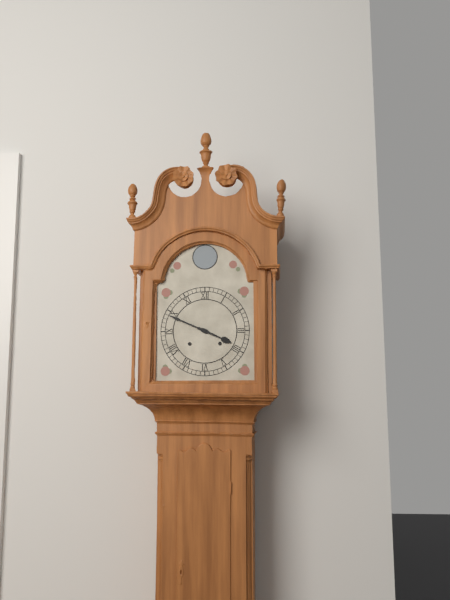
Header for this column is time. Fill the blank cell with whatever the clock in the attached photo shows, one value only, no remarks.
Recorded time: 3:49
